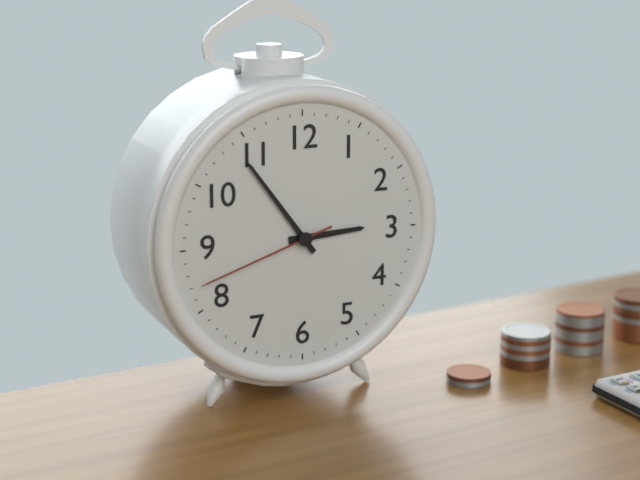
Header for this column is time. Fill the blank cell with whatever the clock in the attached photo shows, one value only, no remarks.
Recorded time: 2:54:42
